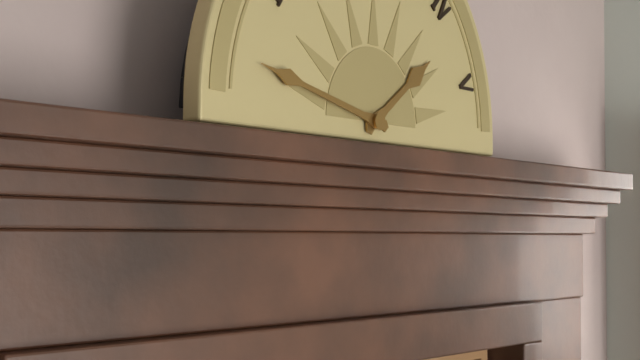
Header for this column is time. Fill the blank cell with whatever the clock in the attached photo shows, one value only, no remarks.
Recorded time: 1:47
